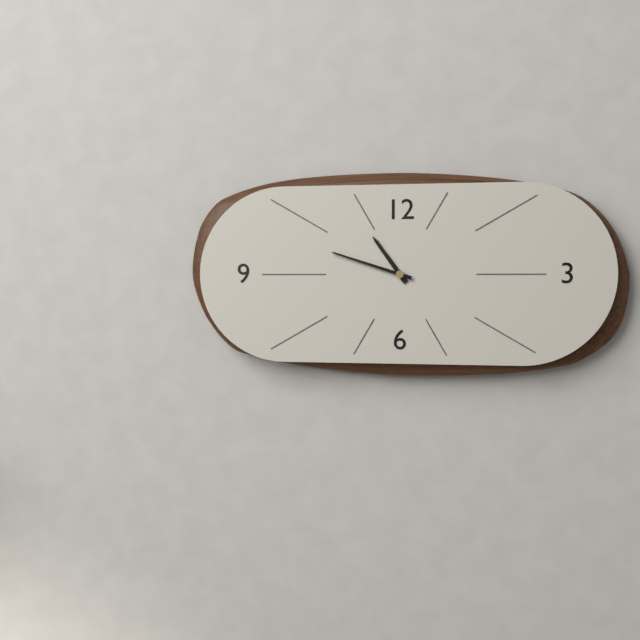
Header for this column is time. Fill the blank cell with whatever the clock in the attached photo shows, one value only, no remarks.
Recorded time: 10:48
